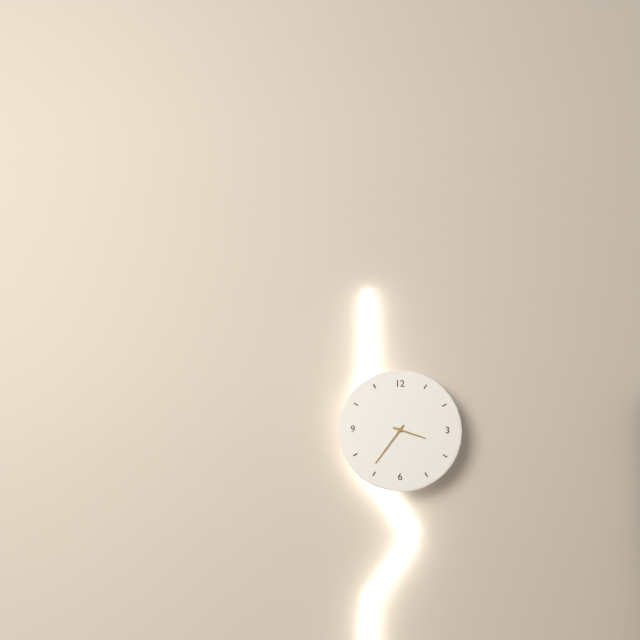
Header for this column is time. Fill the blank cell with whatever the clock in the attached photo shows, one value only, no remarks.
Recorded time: 3:36
